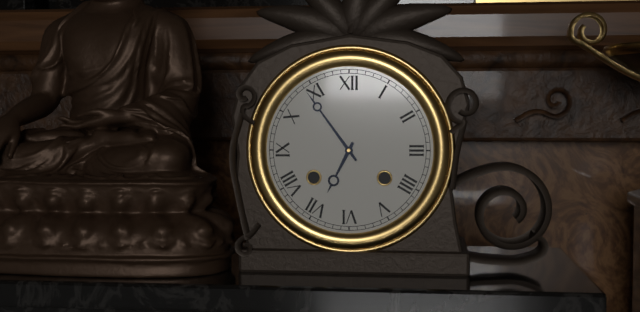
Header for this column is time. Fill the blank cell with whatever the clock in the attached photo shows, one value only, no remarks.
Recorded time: 6:54
